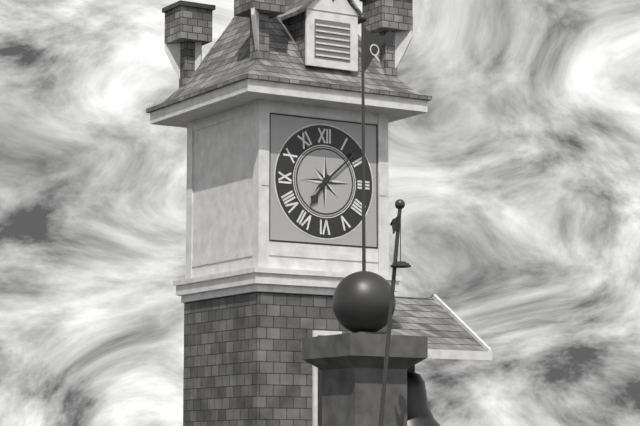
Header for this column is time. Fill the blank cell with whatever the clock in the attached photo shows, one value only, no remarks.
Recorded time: 7:08
